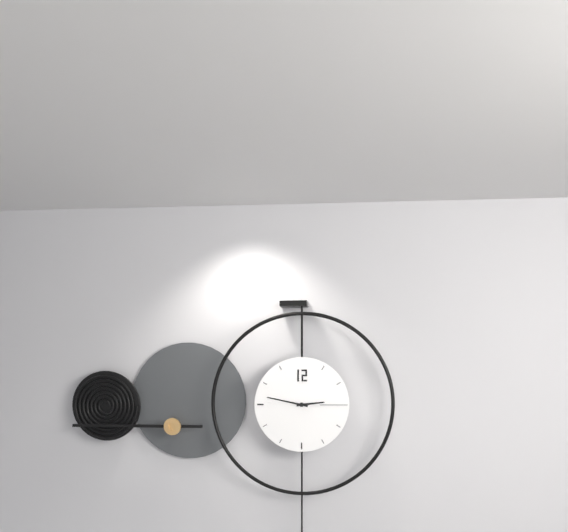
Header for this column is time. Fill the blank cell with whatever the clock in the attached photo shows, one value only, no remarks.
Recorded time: 2:47
